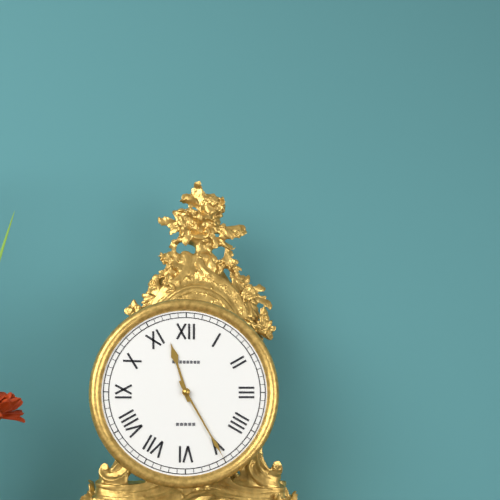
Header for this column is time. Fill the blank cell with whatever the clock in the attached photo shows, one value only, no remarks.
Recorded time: 11:25
